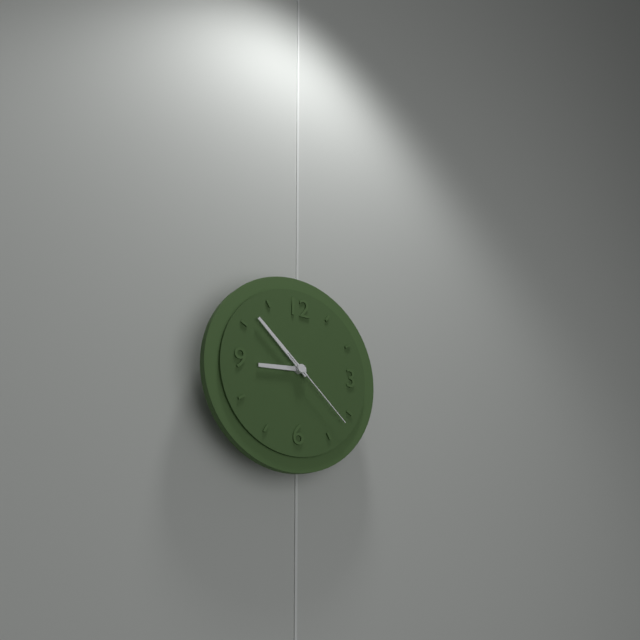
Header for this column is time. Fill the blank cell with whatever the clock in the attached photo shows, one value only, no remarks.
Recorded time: 8:52:22
